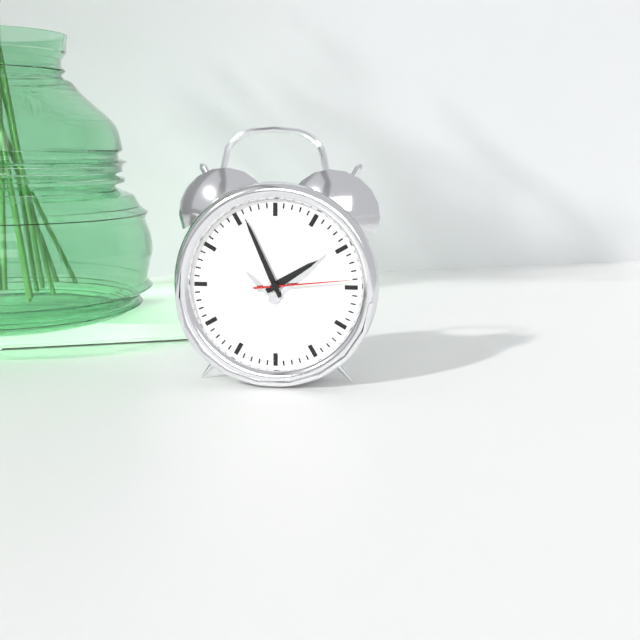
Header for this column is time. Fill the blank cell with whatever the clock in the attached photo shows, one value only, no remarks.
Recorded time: 1:56:14
